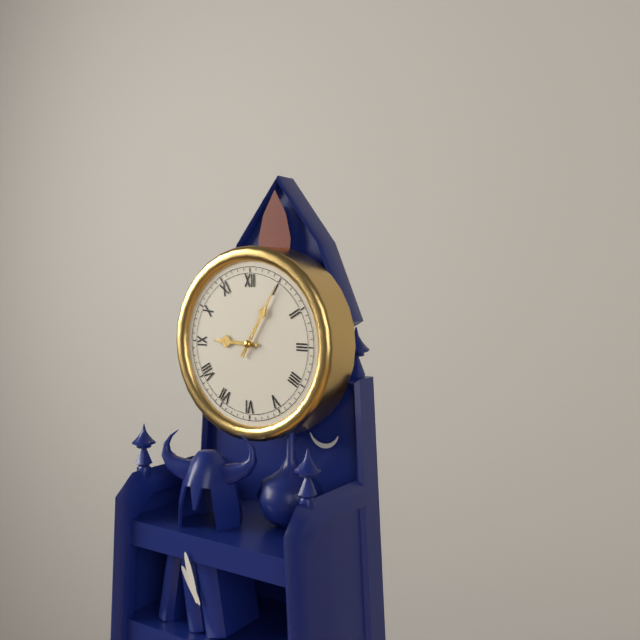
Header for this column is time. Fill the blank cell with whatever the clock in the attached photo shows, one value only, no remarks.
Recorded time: 9:05
